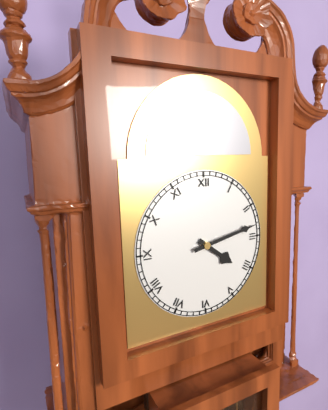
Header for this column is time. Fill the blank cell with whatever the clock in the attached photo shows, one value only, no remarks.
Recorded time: 4:13
